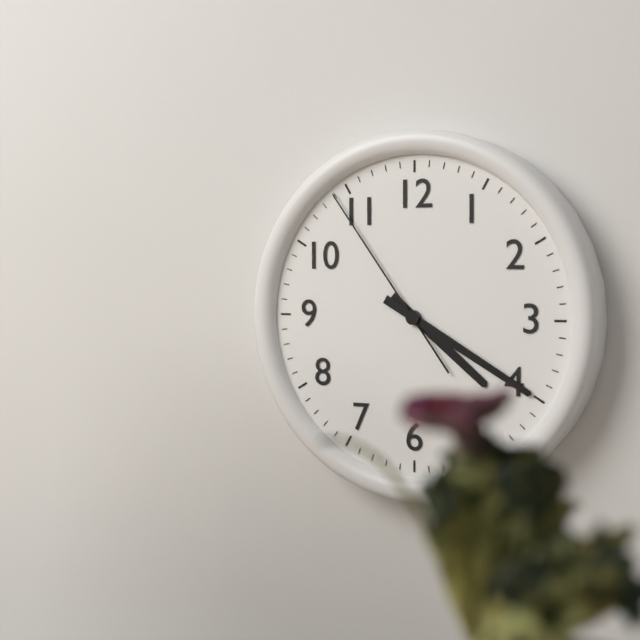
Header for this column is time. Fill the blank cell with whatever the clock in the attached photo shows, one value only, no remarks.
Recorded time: 4:20:54
